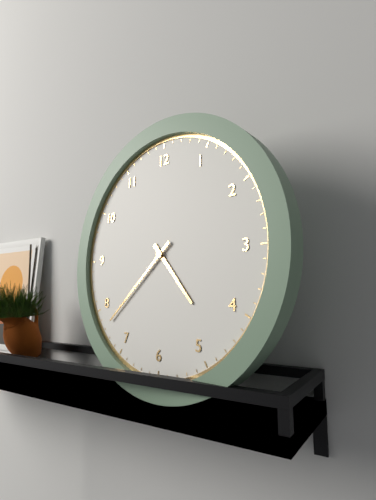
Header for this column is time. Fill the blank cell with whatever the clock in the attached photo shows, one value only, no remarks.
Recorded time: 4:38
